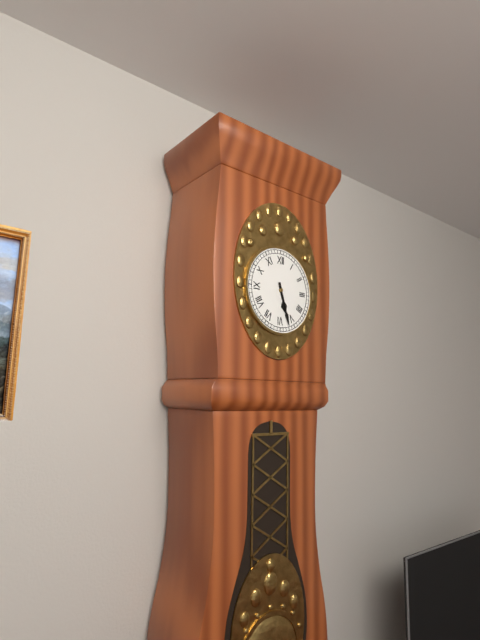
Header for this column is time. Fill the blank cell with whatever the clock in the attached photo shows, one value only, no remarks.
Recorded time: 5:27
